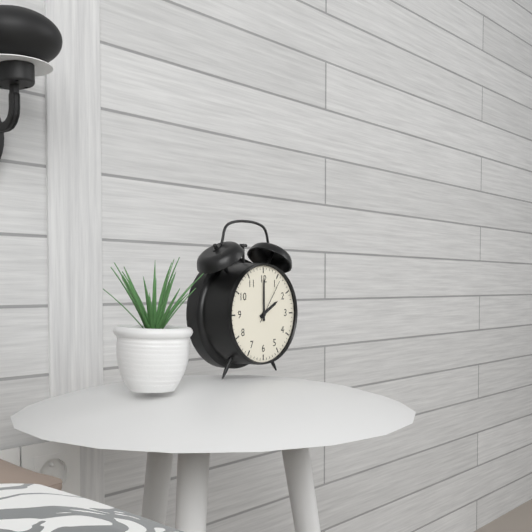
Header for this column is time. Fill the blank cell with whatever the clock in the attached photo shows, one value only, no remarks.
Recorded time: 2:00
